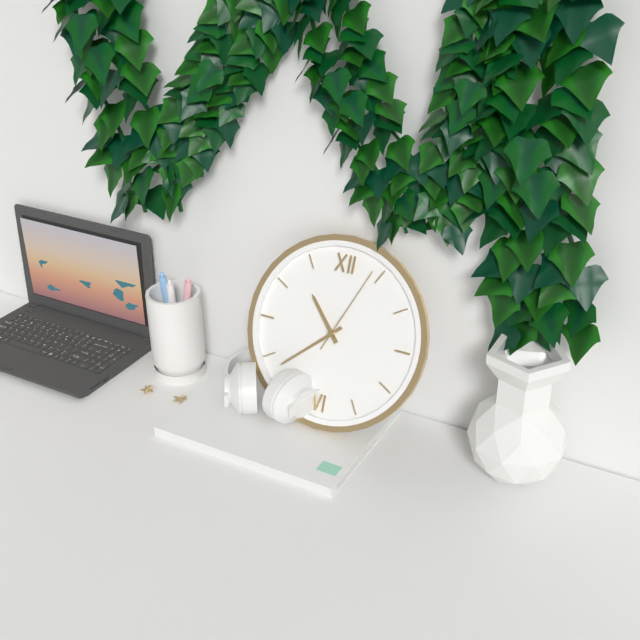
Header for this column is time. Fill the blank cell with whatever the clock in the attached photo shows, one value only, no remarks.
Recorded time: 10:38:04
